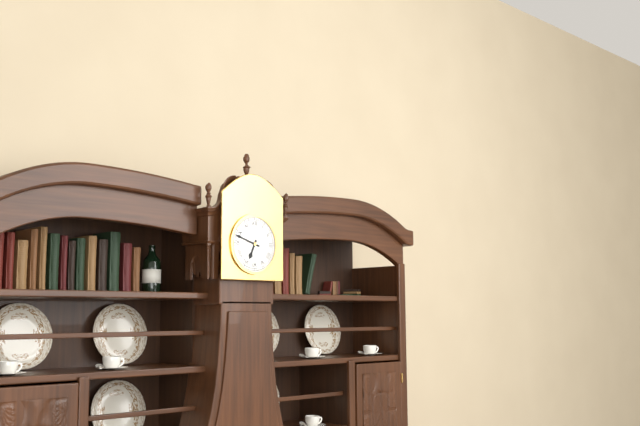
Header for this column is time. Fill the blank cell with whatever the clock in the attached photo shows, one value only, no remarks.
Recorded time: 6:48
